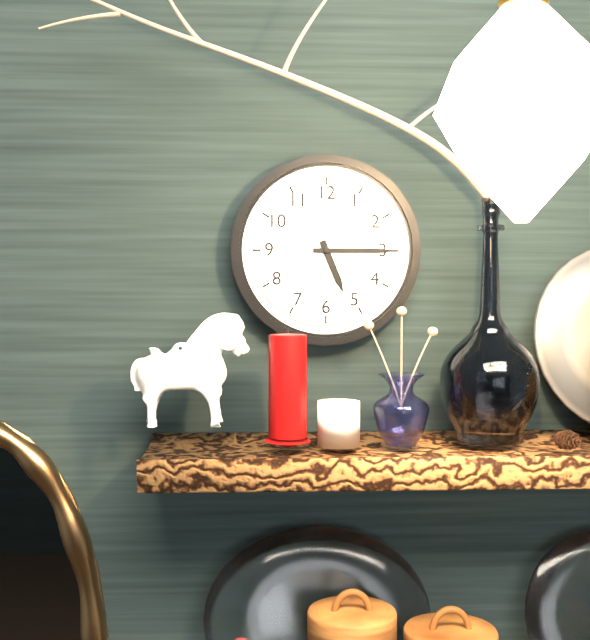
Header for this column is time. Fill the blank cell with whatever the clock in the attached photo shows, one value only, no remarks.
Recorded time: 5:15
